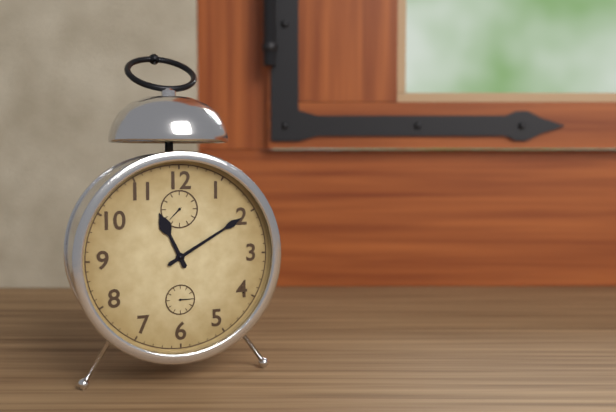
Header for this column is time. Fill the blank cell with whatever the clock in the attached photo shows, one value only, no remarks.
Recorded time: 11:10
